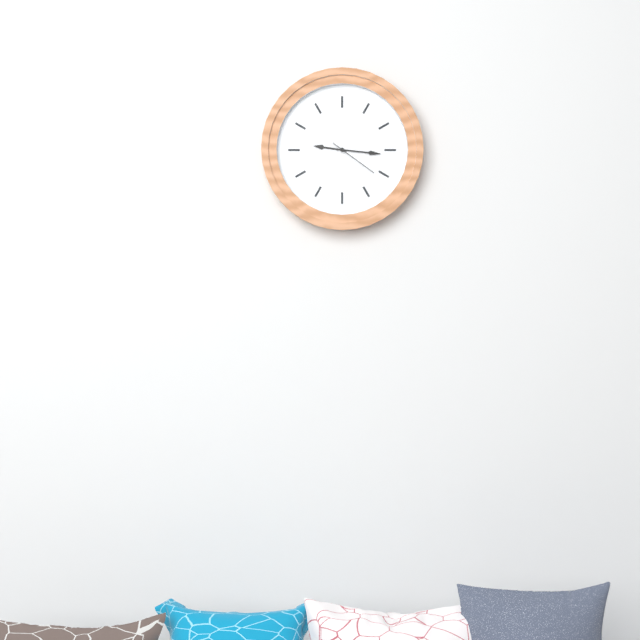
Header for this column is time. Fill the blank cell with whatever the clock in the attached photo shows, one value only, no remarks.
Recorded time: 9:16
